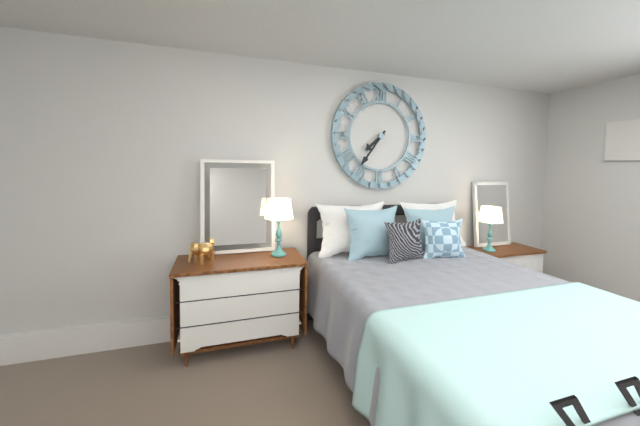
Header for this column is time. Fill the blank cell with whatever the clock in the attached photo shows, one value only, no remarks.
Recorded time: 7:36
